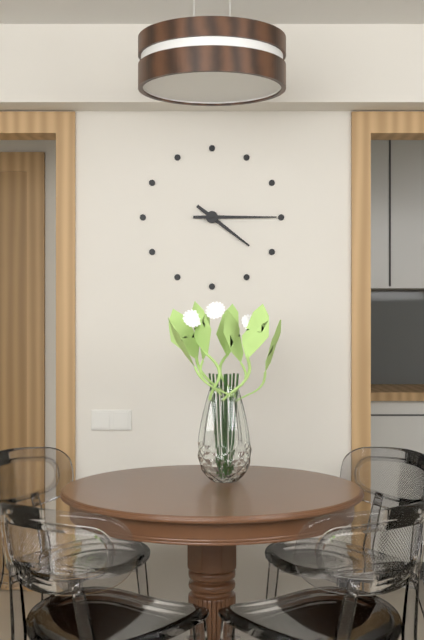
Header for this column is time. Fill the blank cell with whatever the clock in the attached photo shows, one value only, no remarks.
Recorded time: 4:15
